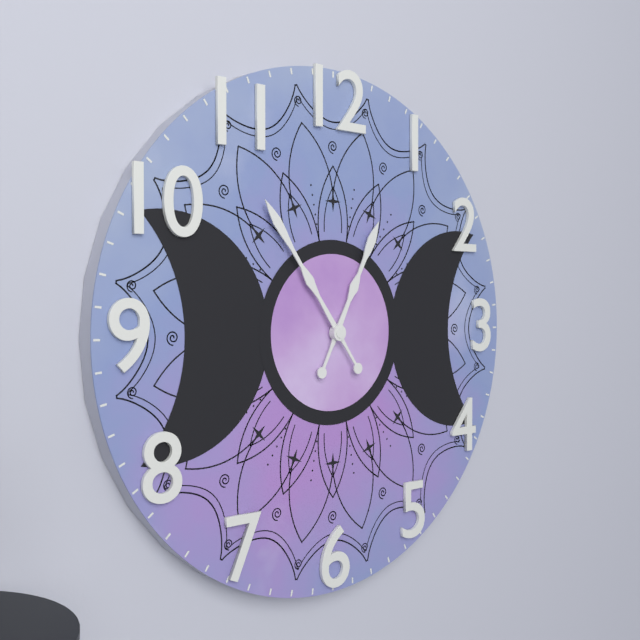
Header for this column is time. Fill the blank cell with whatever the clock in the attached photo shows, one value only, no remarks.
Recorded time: 12:54
